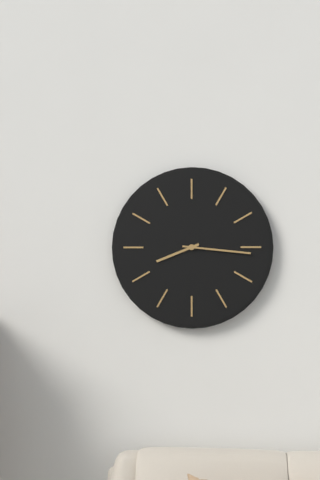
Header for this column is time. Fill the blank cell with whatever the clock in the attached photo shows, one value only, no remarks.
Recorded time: 8:16
